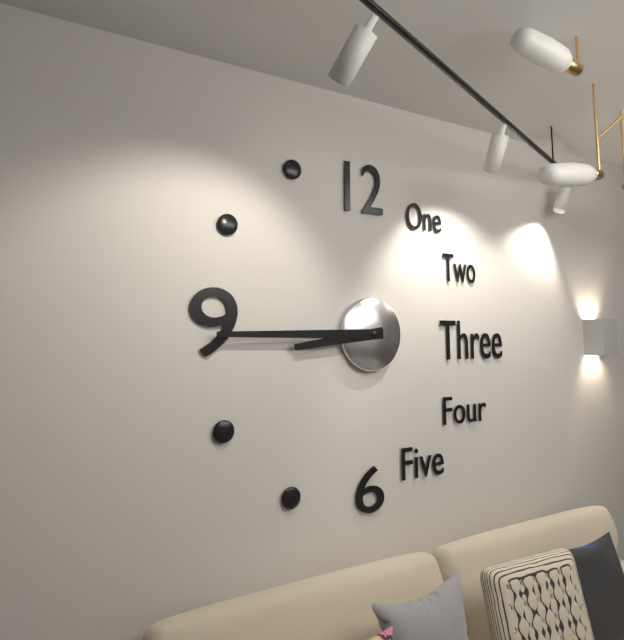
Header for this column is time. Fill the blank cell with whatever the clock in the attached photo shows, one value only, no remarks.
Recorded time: 8:45
